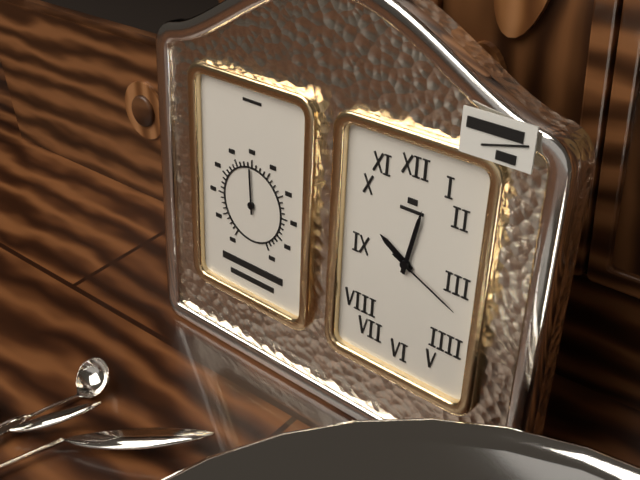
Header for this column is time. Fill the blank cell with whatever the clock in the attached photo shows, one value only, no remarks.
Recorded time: 10:02:19
